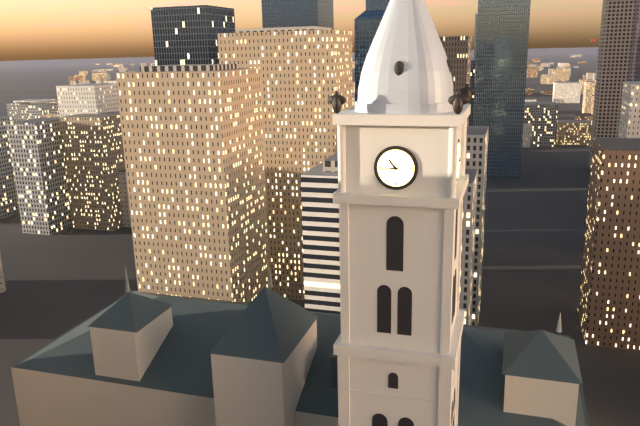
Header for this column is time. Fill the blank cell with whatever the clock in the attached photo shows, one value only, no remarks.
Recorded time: 10:44
